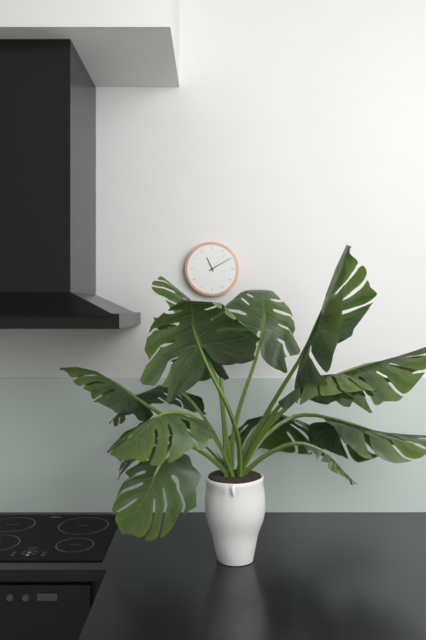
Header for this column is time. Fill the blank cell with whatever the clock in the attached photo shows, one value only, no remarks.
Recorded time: 11:10
